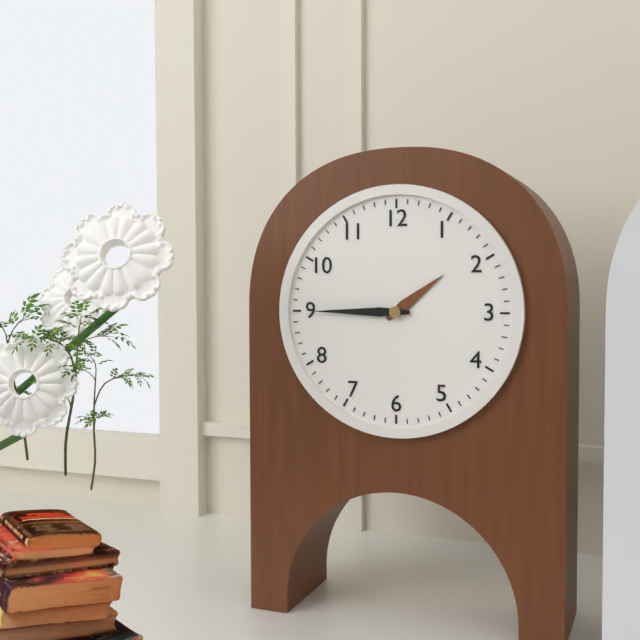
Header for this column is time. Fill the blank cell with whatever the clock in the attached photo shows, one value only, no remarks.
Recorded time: 1:45
